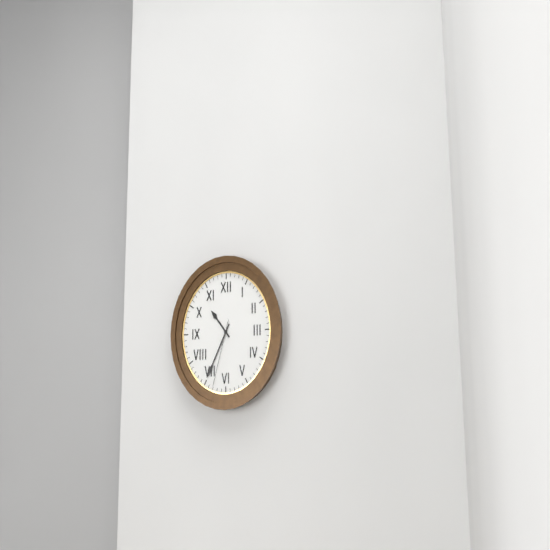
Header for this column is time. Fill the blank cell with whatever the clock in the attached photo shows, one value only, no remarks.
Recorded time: 10:35:33
